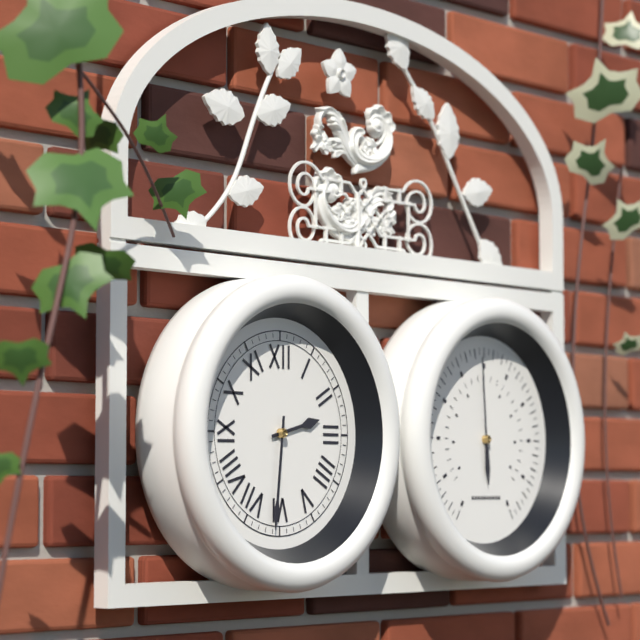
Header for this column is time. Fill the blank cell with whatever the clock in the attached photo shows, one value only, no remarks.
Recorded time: 2:31
